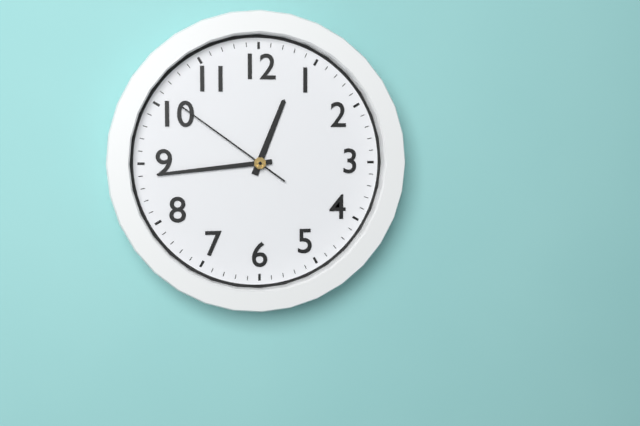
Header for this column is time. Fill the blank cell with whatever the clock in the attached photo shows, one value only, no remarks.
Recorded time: 12:44:51
